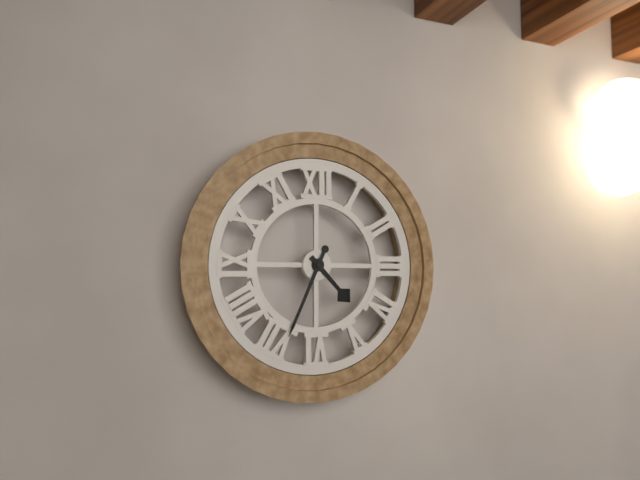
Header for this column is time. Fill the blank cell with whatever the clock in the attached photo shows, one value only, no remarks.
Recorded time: 4:34
